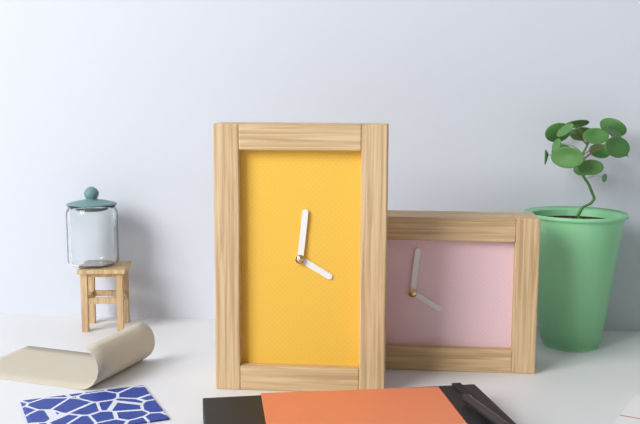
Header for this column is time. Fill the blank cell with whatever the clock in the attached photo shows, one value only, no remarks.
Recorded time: 4:01
